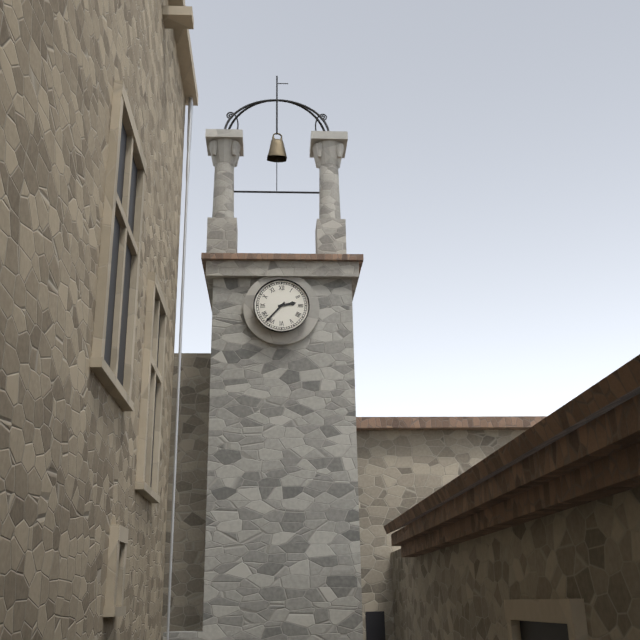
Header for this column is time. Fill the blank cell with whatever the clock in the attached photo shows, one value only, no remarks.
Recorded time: 2:37
